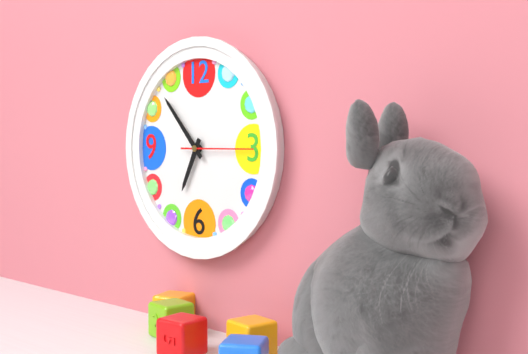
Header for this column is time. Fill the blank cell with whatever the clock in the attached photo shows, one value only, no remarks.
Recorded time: 6:53:15
